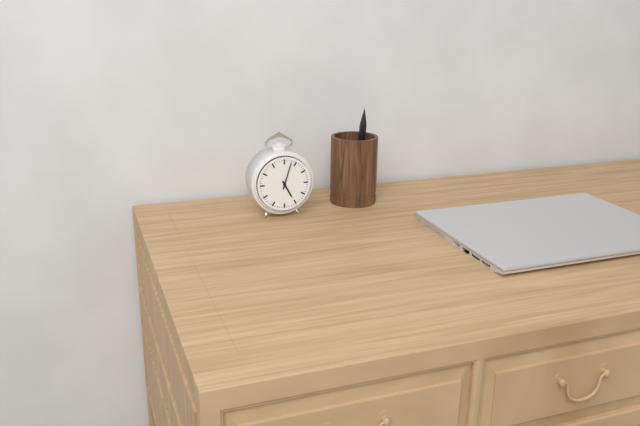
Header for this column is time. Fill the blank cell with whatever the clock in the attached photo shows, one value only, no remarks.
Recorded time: 5:03
